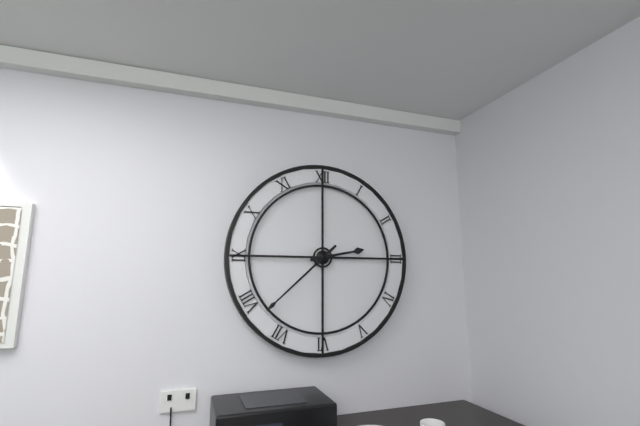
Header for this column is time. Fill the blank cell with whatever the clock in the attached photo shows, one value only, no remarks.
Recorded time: 2:38
